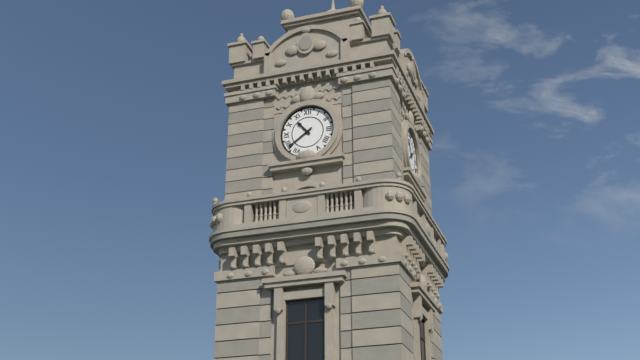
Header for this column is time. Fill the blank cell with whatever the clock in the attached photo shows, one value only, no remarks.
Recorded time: 10:39
